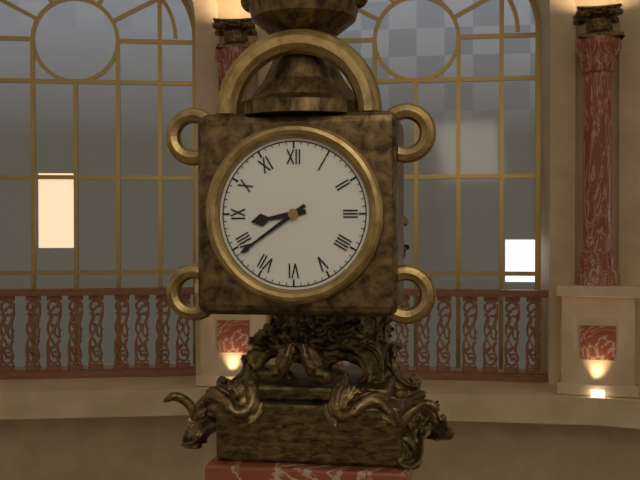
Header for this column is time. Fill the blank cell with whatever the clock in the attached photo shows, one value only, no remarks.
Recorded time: 8:39
